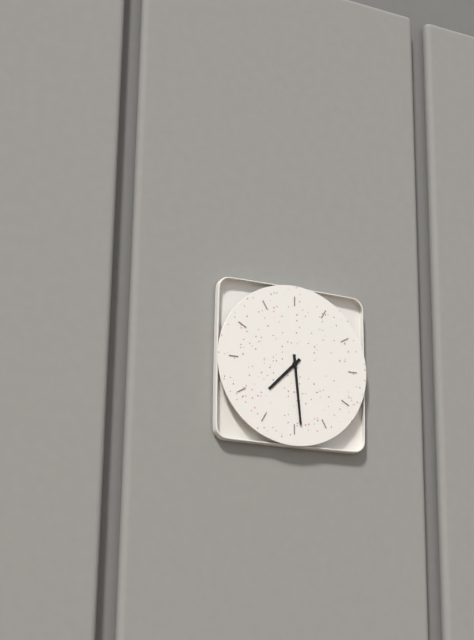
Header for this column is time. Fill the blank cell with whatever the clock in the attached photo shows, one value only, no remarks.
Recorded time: 7:29
